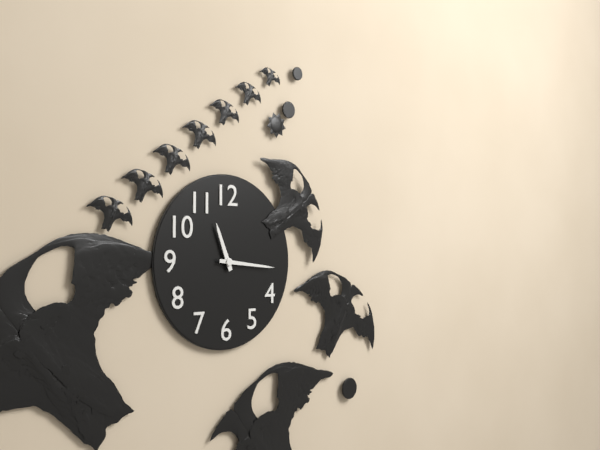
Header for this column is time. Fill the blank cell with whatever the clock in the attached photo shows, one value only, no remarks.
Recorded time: 11:16
